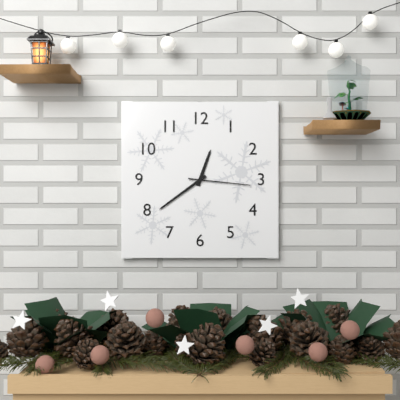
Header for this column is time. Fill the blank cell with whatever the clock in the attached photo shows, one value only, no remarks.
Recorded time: 12:39:16
